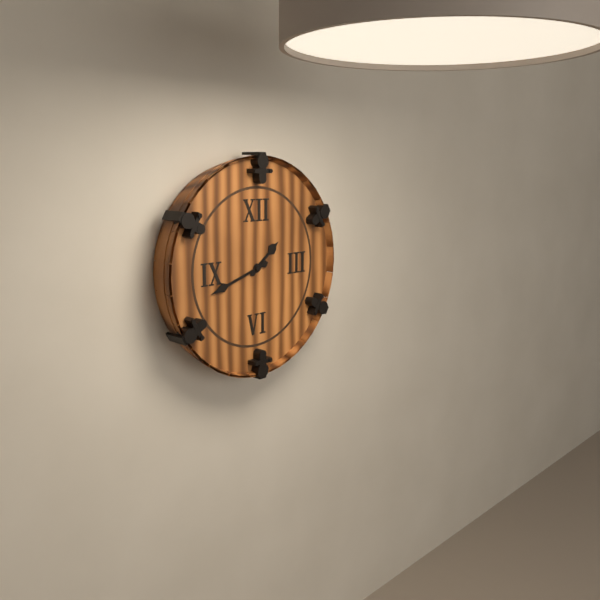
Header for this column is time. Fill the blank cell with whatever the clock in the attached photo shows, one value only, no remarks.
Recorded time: 1:42
